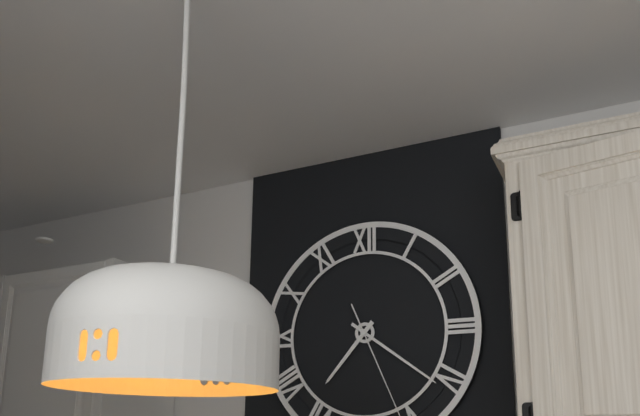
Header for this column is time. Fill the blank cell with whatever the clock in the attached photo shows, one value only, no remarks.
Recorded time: 7:21
